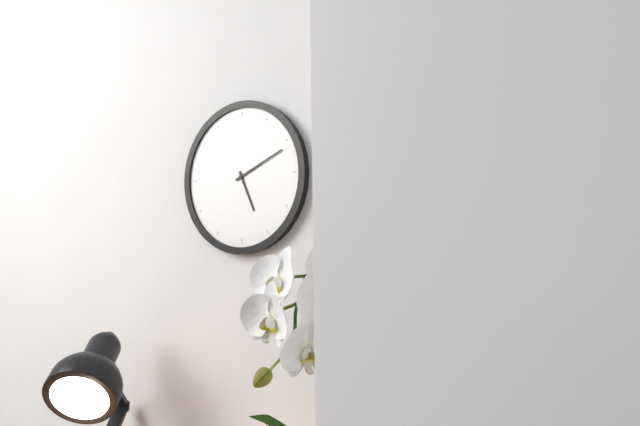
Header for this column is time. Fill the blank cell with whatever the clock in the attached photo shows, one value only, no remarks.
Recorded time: 5:11
